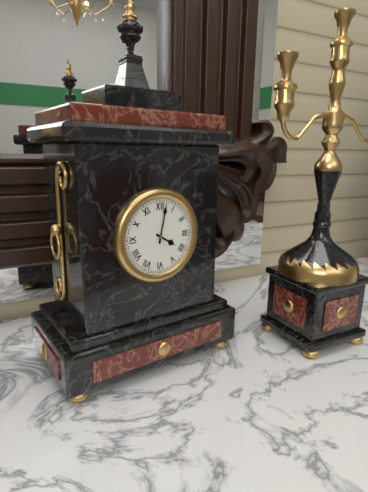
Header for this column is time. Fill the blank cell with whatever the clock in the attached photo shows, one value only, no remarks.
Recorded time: 4:02
